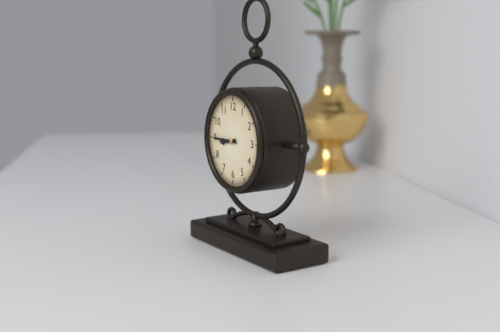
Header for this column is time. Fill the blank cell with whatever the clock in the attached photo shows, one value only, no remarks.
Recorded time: 8:45
